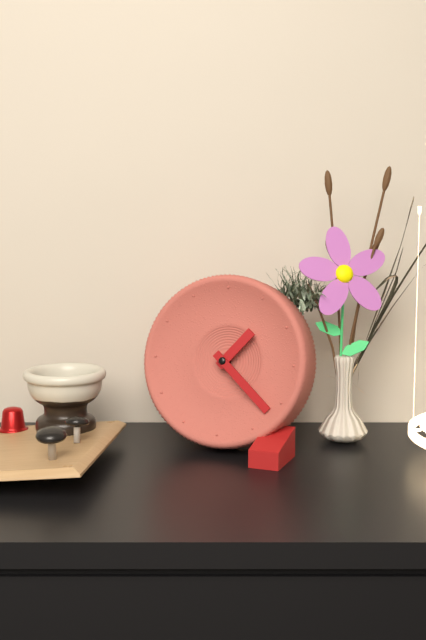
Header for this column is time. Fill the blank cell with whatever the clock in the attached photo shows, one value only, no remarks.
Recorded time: 1:22
